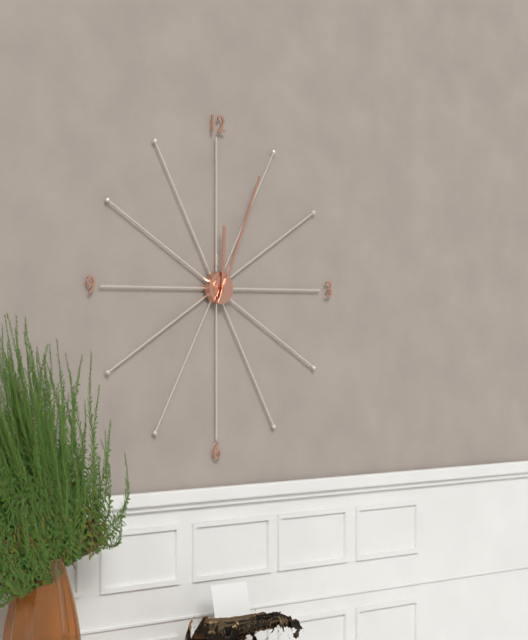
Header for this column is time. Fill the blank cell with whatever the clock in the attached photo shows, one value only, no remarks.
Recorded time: 12:04
